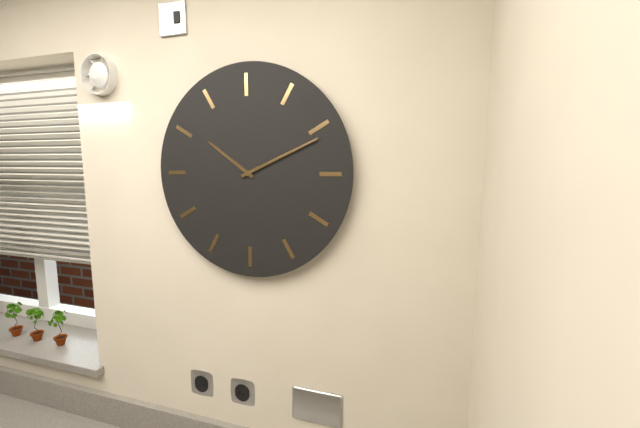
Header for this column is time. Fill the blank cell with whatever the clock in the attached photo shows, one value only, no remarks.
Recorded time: 10:11
